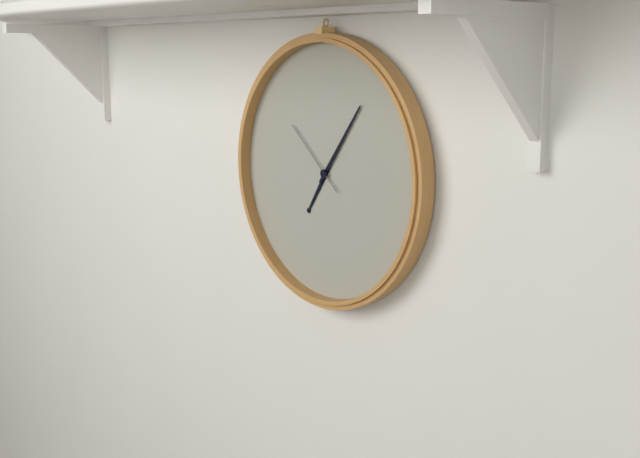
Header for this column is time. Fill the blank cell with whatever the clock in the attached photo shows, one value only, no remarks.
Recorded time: 7:06:52
